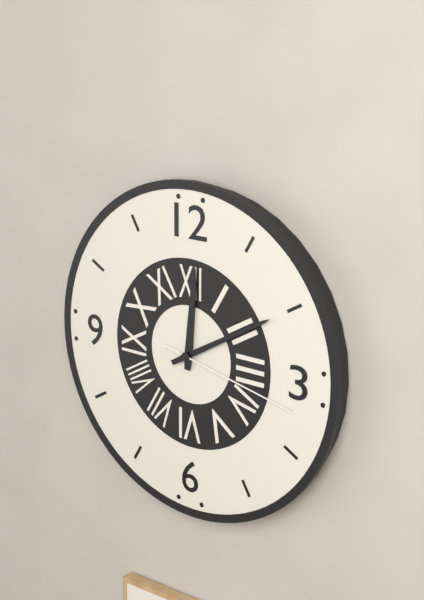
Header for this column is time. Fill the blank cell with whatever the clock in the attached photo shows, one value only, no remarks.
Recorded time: 12:10:17
